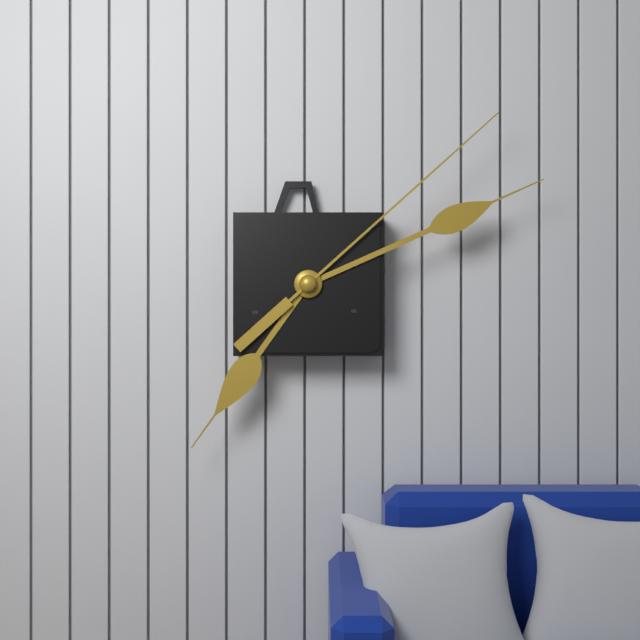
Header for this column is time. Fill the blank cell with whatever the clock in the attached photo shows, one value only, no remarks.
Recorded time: 7:11:08
